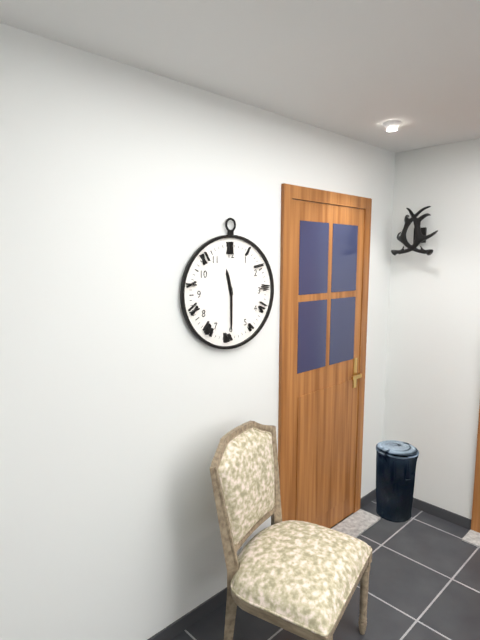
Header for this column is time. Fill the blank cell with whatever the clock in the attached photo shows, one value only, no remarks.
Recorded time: 11:30
